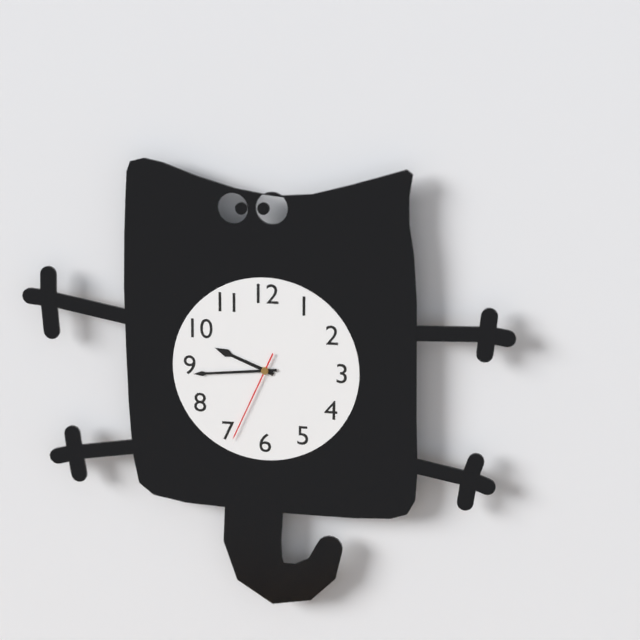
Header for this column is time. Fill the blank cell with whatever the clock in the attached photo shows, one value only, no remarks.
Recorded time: 9:44:34
